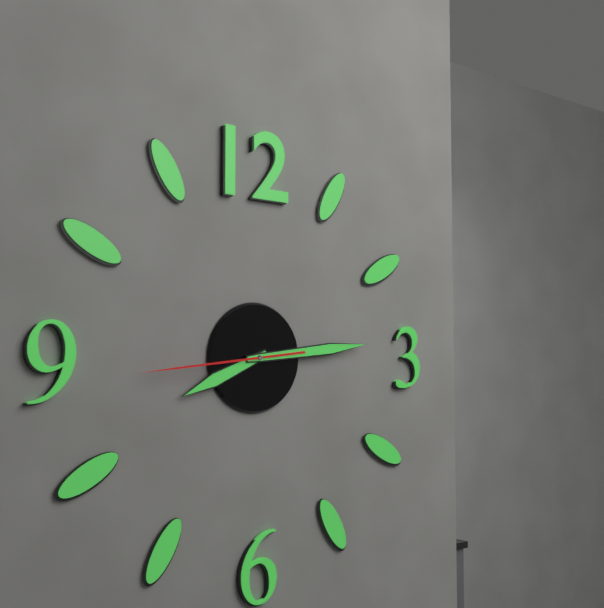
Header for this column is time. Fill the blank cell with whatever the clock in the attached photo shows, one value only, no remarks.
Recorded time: 8:14:44
